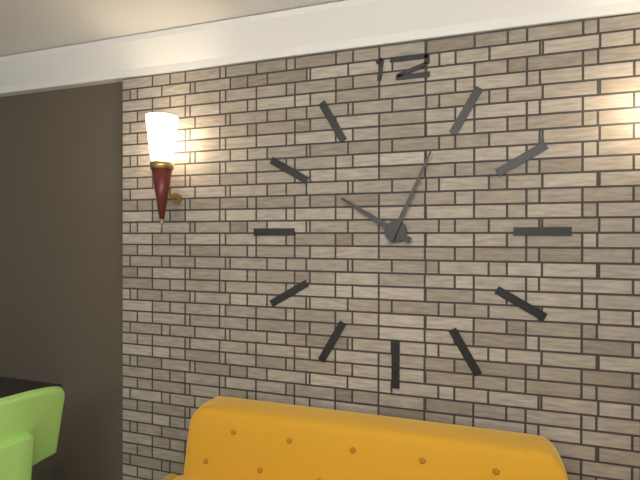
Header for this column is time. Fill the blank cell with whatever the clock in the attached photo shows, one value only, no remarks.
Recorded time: 10:04
